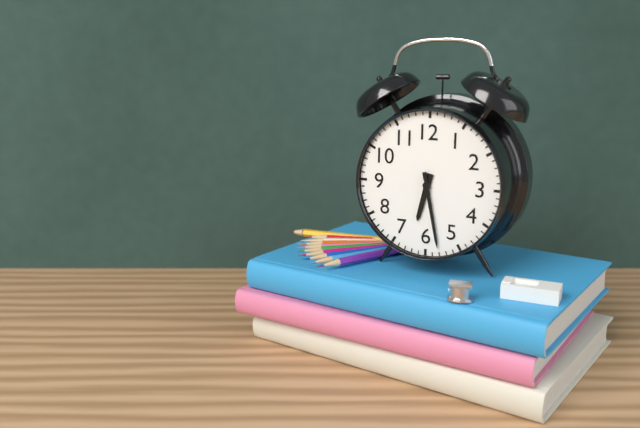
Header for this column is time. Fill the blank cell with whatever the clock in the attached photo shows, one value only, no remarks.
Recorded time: 6:28
